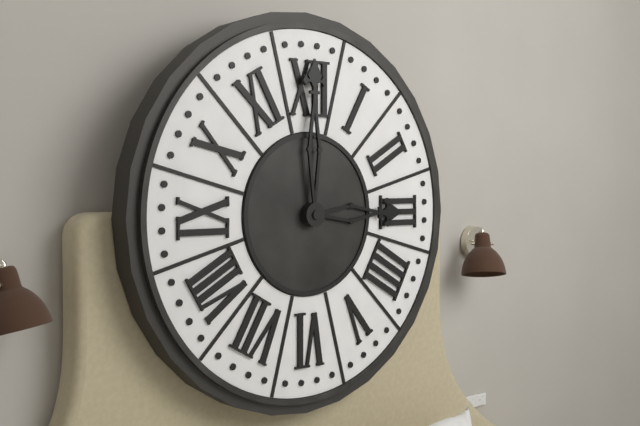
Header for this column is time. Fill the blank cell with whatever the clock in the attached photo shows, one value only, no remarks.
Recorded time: 3:00
